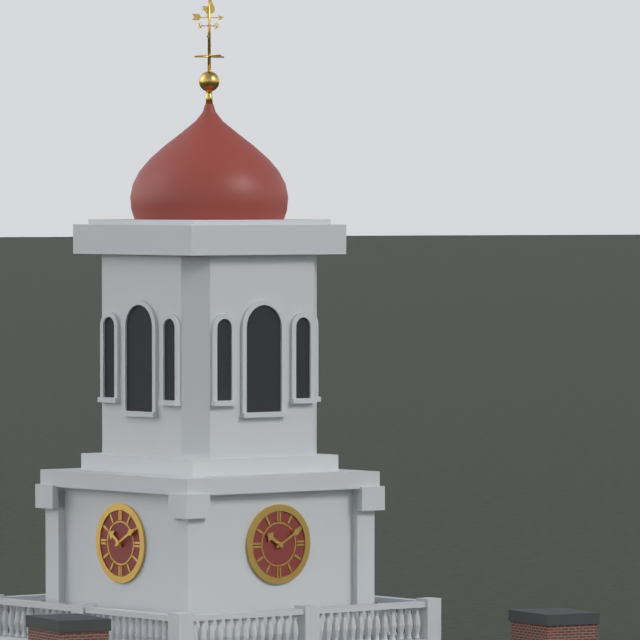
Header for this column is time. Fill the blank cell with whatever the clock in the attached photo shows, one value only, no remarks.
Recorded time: 10:10
